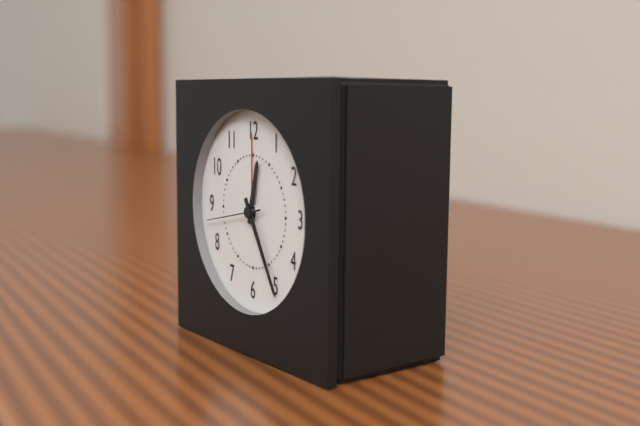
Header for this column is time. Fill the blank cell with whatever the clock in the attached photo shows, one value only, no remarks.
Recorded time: 12:25:43
